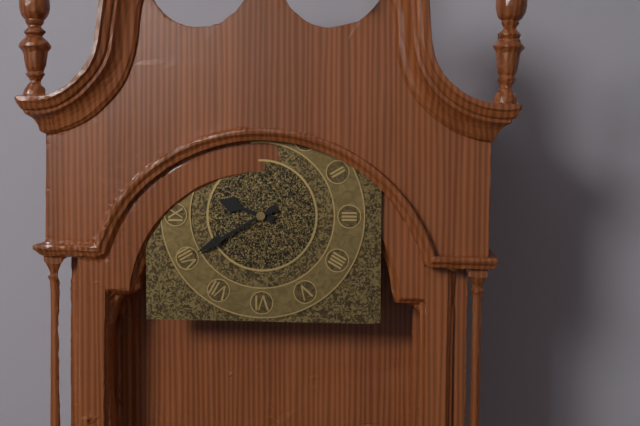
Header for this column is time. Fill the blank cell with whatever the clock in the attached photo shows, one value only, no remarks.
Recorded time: 9:40
